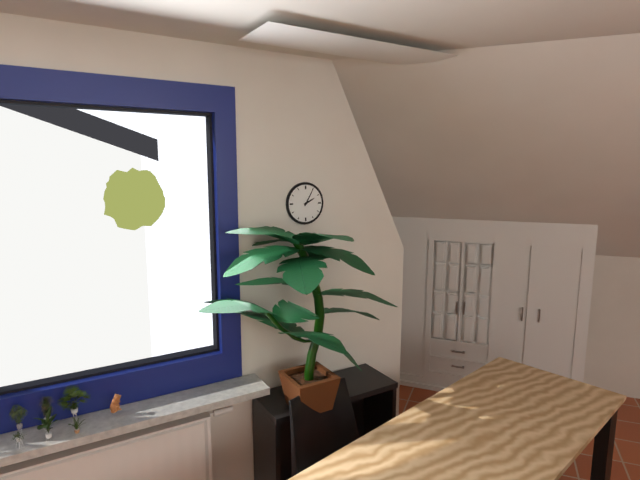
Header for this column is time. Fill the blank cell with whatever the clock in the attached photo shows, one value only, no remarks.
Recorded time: 2:05
